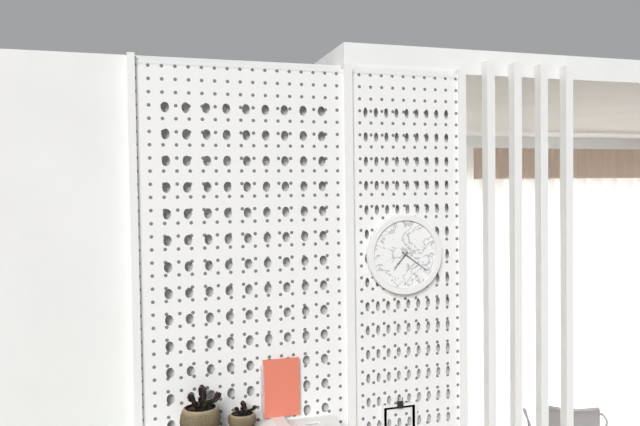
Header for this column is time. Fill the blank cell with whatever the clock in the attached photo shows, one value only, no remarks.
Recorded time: 7:21
